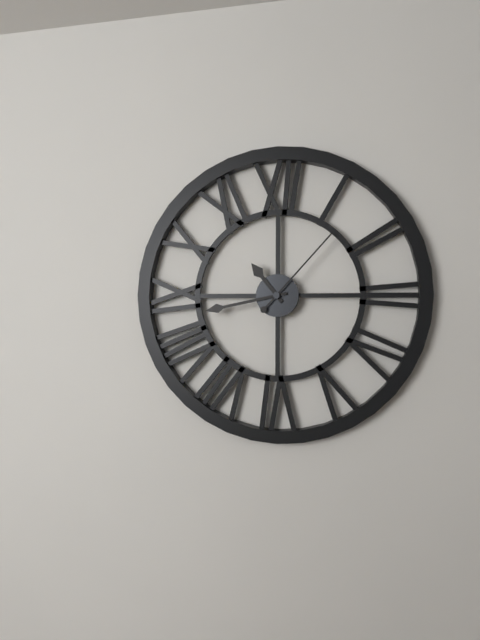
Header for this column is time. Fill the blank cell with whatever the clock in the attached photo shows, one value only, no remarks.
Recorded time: 10:43:07
